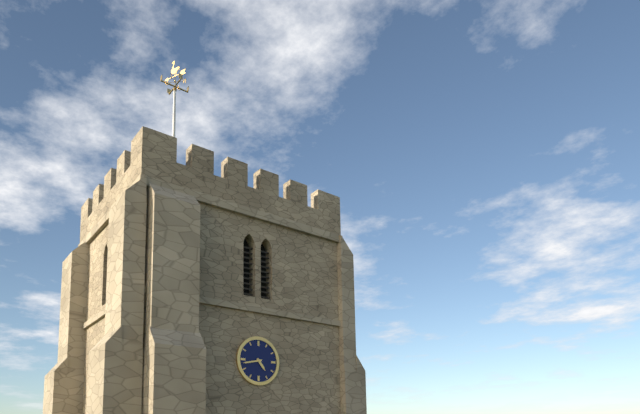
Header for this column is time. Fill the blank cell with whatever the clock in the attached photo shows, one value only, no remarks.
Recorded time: 4:43
